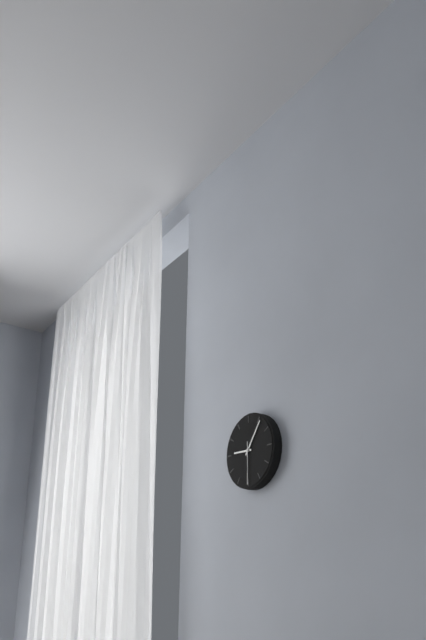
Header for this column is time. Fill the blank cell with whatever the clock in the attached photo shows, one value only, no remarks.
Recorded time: 9:06
